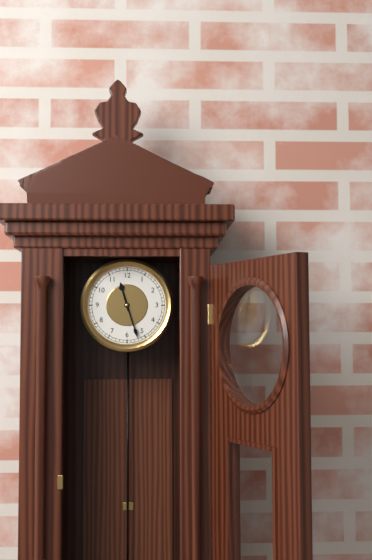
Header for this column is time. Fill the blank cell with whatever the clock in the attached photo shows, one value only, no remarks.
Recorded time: 11:27
